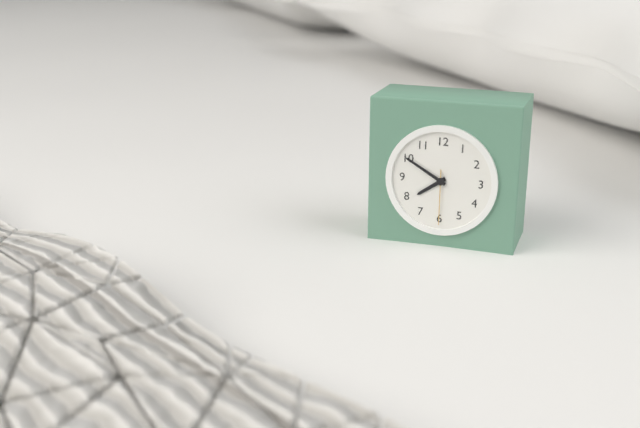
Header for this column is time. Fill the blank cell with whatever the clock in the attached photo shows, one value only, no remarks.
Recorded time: 7:50:30
